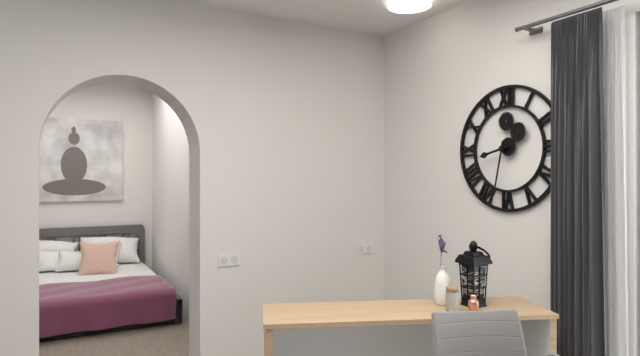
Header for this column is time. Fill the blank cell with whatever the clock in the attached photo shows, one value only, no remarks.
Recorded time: 8:32
